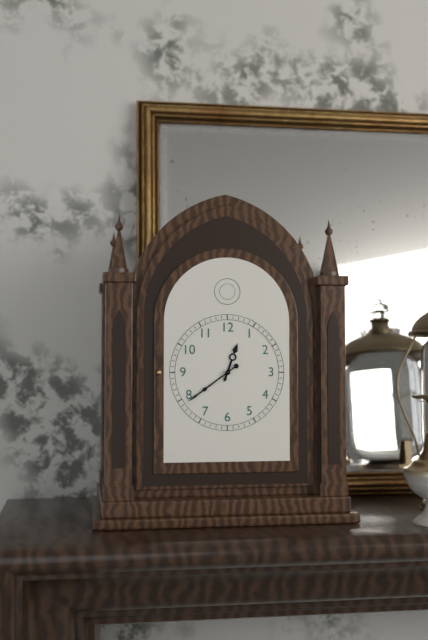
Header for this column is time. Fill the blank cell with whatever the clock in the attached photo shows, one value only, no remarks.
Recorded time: 12:39
